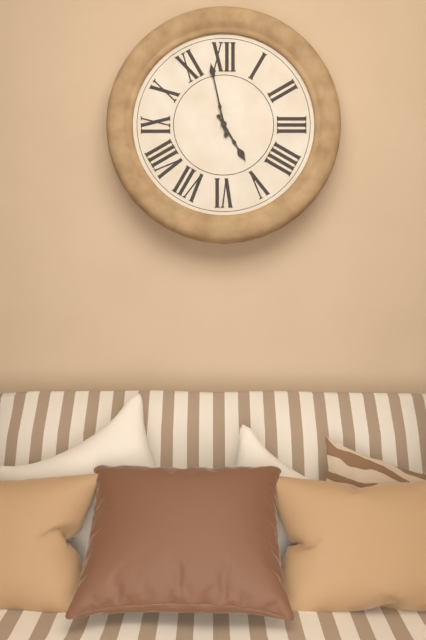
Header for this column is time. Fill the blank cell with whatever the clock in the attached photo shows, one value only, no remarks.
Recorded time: 4:58
